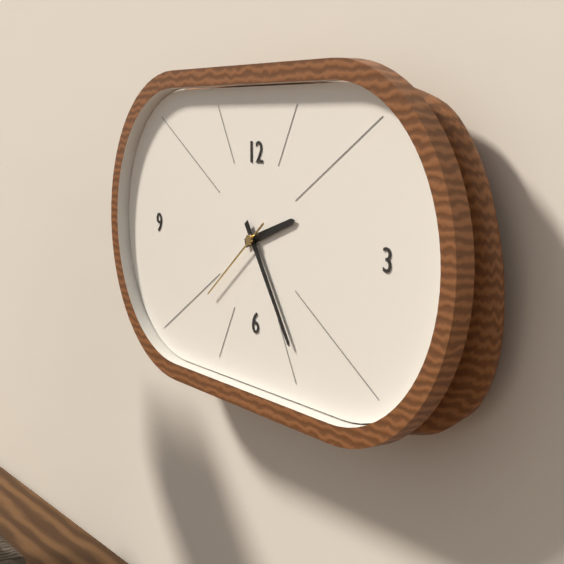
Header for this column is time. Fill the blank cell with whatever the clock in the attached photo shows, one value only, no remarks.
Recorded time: 2:24:39
